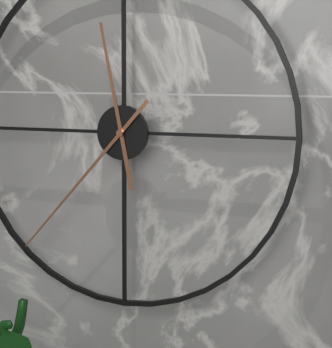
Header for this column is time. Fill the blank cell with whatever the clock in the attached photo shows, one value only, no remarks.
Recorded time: 11:37
